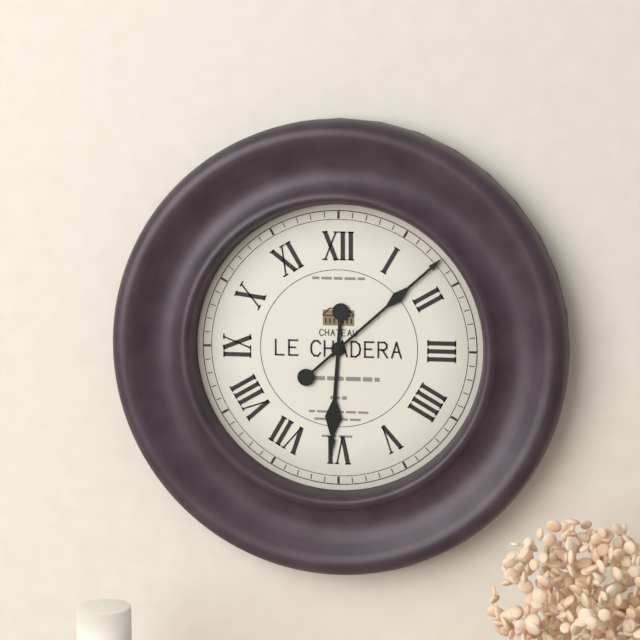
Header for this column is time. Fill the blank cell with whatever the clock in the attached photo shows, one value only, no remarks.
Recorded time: 6:08
